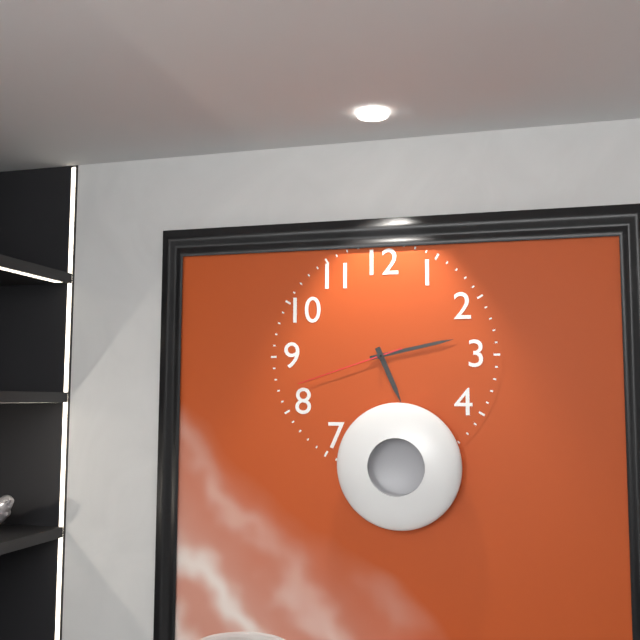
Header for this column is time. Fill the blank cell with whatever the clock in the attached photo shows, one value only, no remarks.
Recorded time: 5:13:42
